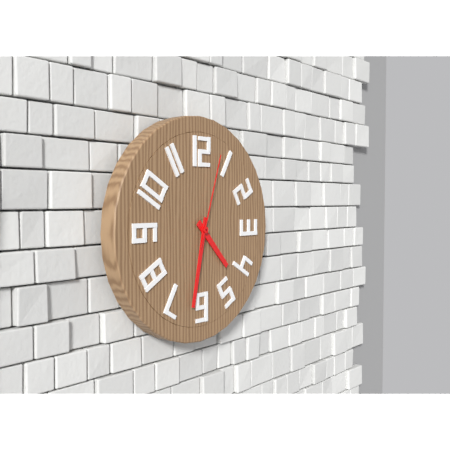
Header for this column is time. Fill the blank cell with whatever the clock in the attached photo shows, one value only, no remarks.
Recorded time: 4:32:03
